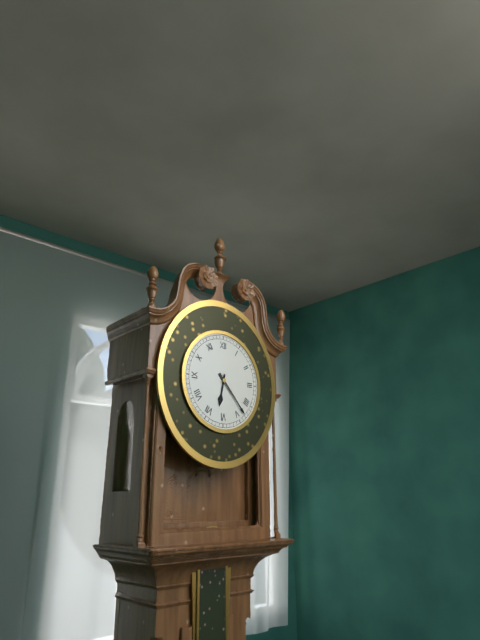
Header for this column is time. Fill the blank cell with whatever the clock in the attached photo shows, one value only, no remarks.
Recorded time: 6:23
